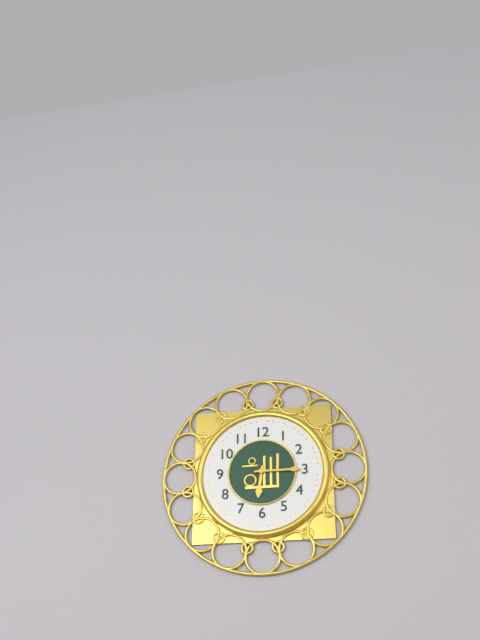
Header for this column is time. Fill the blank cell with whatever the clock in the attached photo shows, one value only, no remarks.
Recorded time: 6:15
